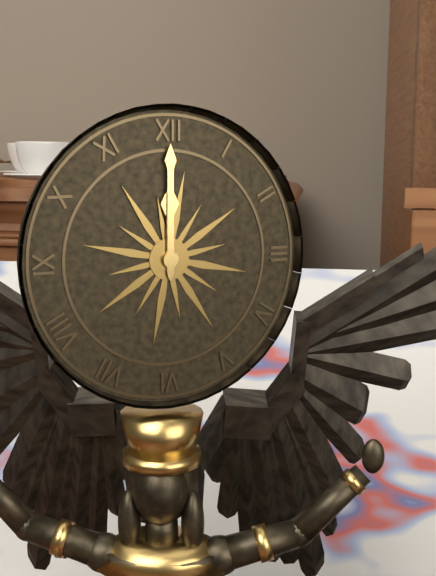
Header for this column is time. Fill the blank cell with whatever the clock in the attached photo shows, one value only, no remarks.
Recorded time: 12:00
